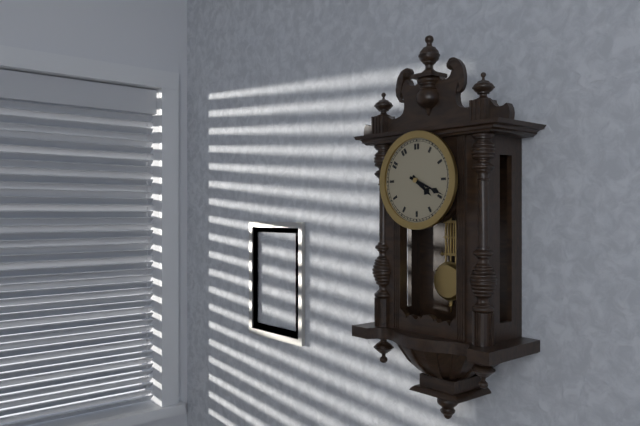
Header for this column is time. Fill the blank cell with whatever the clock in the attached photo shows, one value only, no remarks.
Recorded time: 4:19
